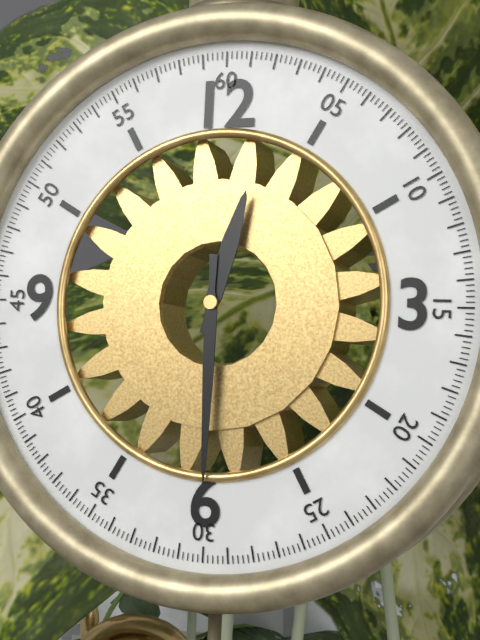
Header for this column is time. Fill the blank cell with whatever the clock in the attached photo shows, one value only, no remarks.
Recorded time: 12:30
